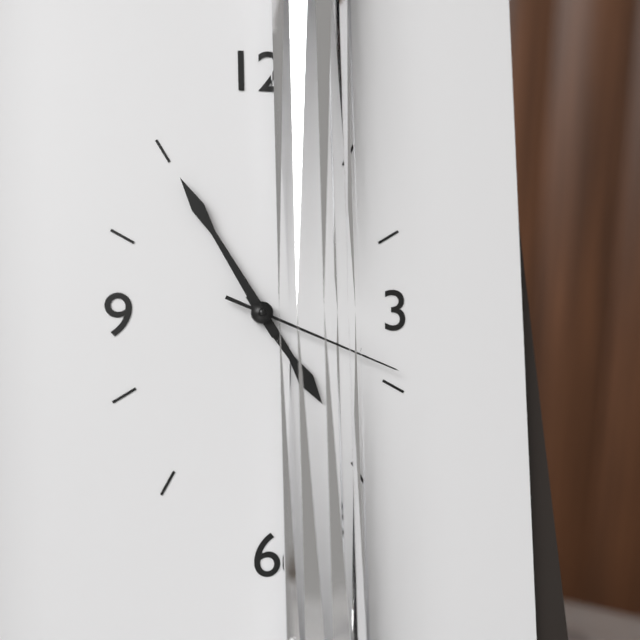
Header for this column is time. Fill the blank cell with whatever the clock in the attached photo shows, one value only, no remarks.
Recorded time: 4:55:19
